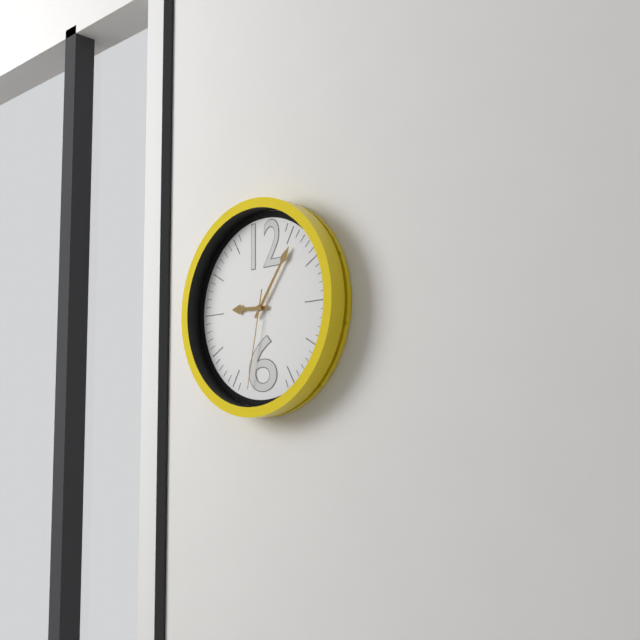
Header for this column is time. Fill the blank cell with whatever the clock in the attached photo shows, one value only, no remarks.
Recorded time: 9:06:32
